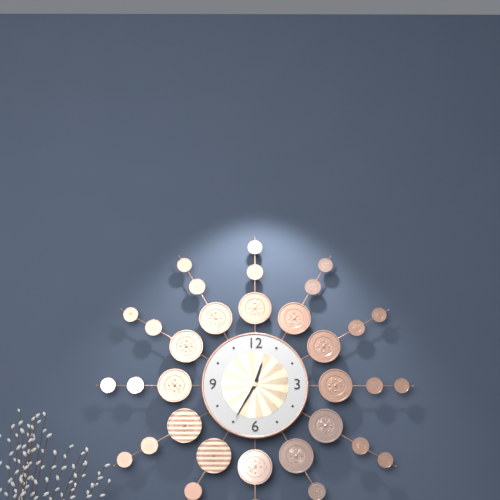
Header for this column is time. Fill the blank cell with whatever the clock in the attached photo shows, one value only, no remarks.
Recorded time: 12:35
